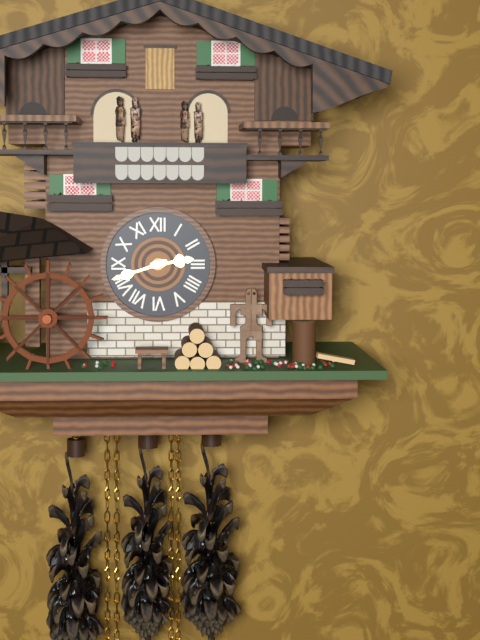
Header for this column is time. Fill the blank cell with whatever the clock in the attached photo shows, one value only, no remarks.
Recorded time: 2:42
